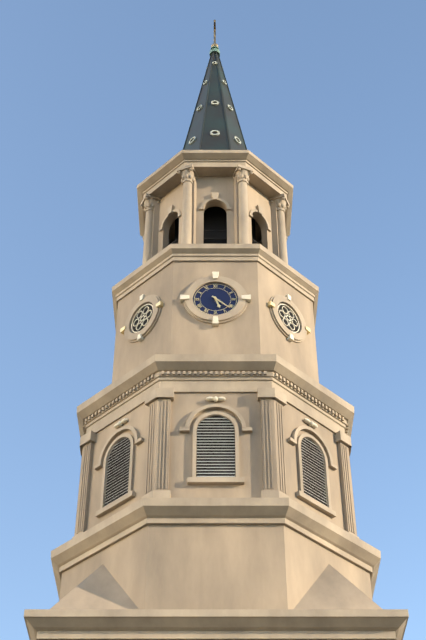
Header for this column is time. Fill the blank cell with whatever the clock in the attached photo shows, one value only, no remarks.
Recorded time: 5:22
